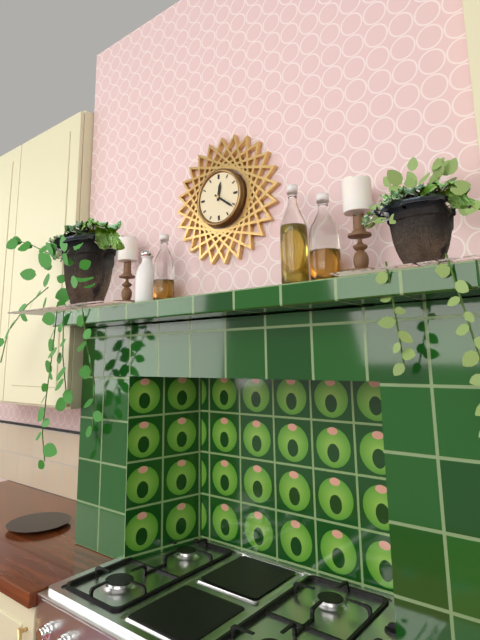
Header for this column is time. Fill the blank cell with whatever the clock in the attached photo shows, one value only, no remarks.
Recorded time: 12:21
